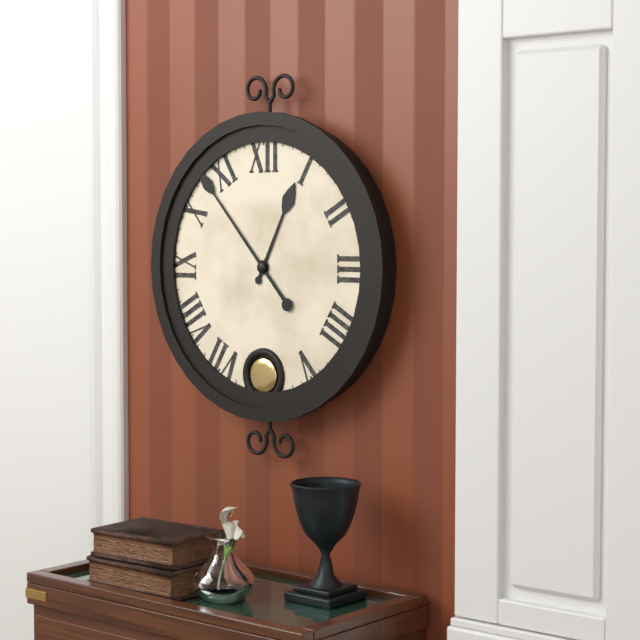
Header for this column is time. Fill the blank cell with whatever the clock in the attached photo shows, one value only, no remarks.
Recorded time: 12:53
